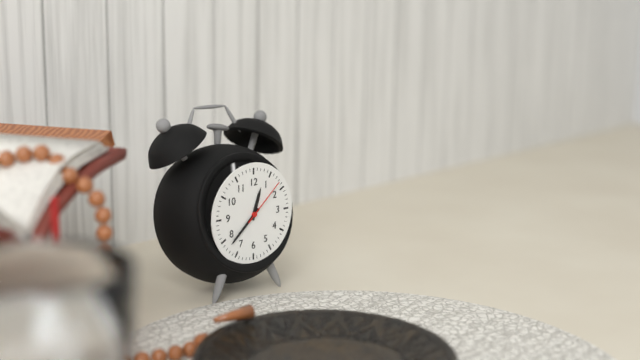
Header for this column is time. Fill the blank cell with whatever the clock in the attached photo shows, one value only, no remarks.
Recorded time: 12:38:08
